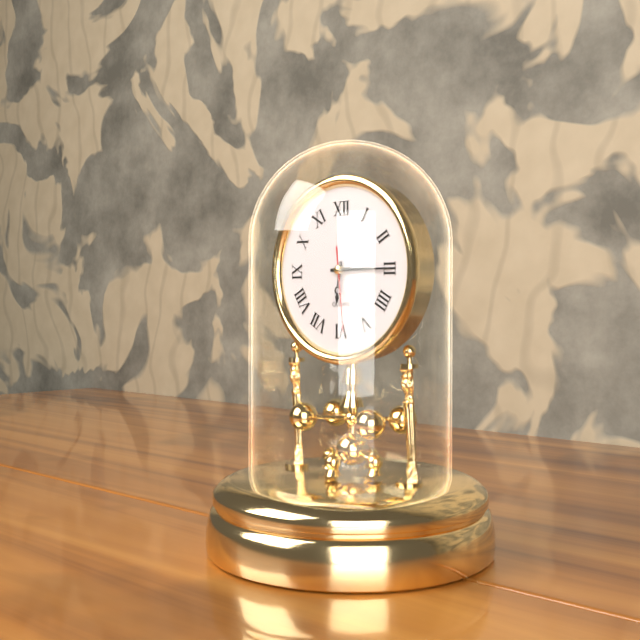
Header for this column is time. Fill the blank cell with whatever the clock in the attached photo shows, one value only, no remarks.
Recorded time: 6:15:29
